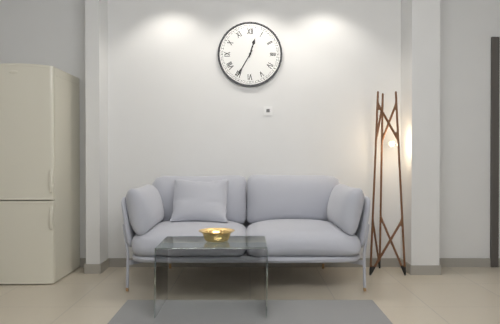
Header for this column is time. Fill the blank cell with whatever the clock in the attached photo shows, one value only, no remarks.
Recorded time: 12:35
